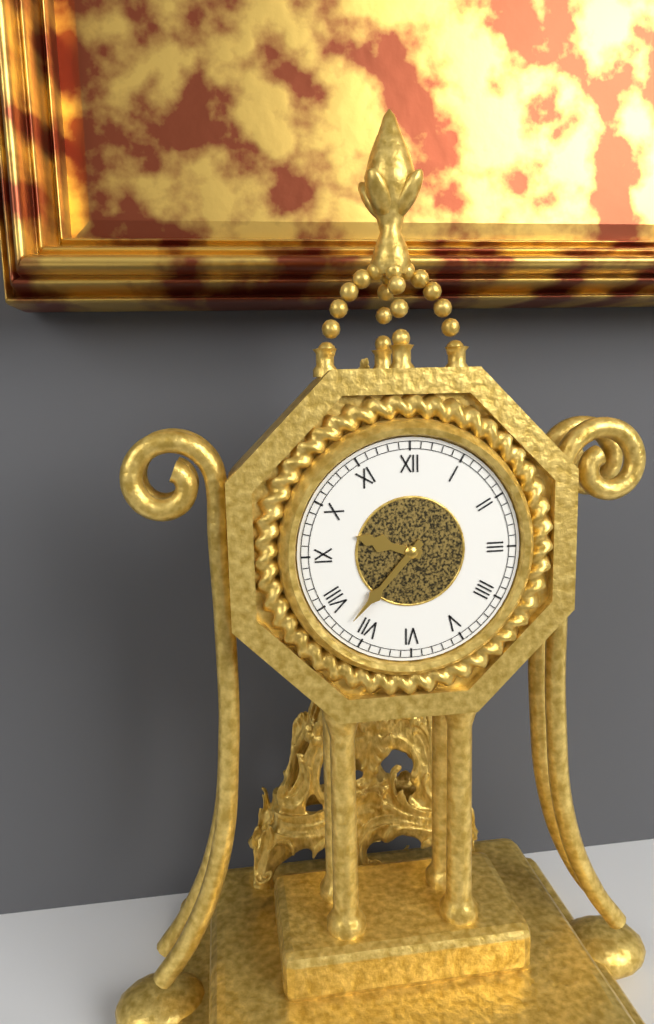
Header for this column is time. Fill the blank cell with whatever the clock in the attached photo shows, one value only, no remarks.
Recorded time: 9:37
